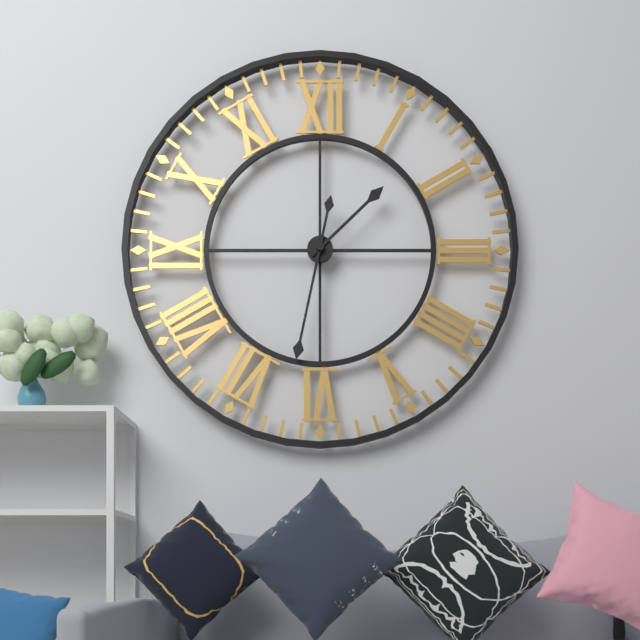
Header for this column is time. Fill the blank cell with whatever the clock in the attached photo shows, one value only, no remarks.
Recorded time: 1:32
